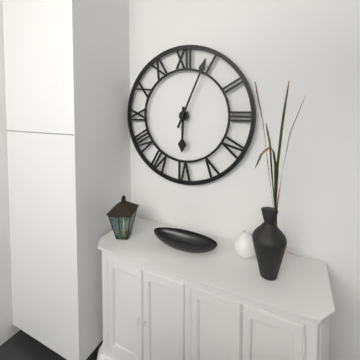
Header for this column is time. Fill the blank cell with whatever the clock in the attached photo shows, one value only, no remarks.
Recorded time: 6:04
